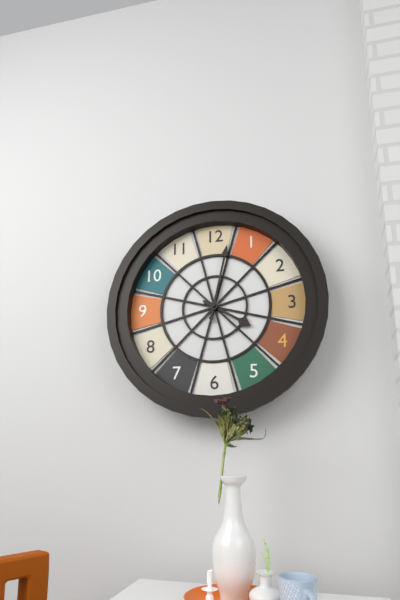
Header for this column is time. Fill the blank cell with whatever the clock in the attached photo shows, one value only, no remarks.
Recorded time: 4:02
